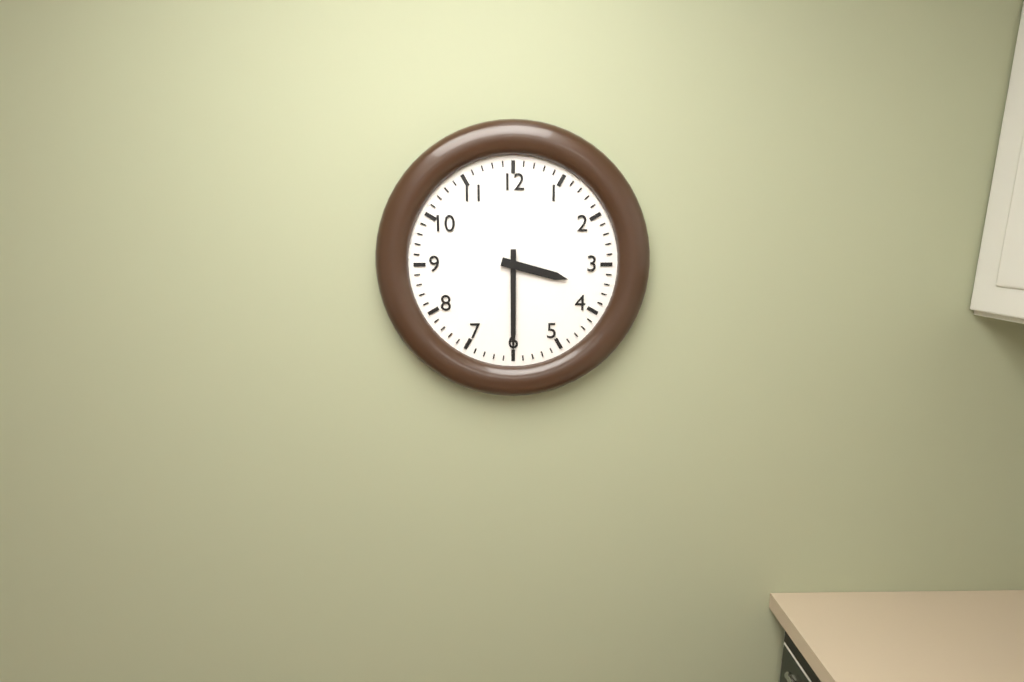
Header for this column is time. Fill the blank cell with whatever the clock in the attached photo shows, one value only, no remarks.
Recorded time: 3:30
